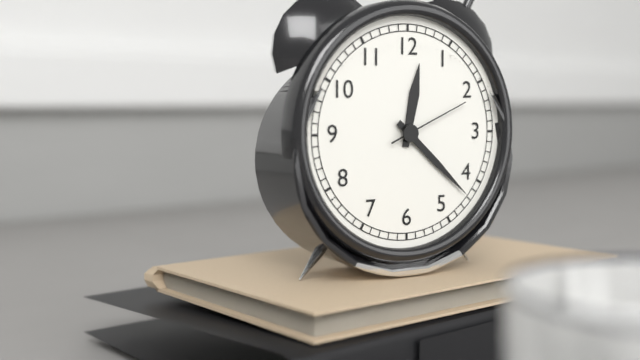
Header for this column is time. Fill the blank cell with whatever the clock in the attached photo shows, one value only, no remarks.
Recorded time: 12:22:11
